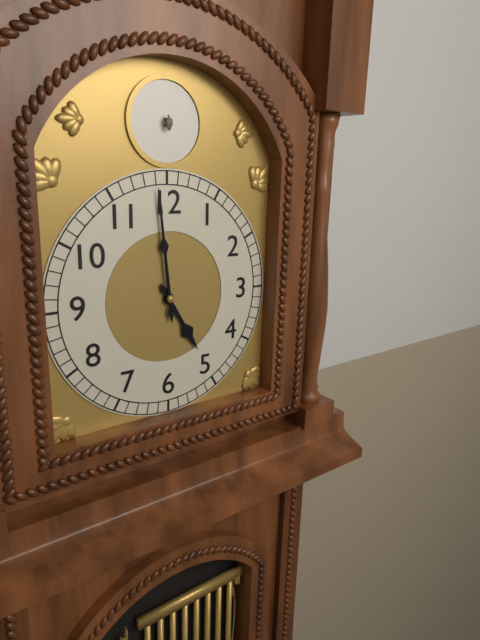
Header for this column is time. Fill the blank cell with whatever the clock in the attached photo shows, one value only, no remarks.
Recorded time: 4:59
